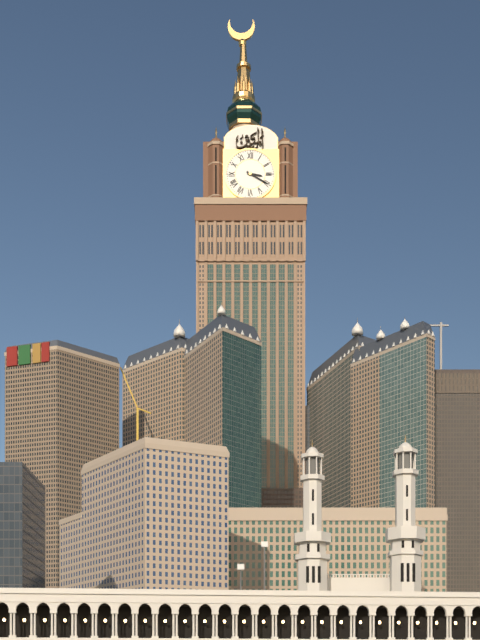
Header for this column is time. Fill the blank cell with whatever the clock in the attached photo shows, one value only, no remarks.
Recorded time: 3:20
